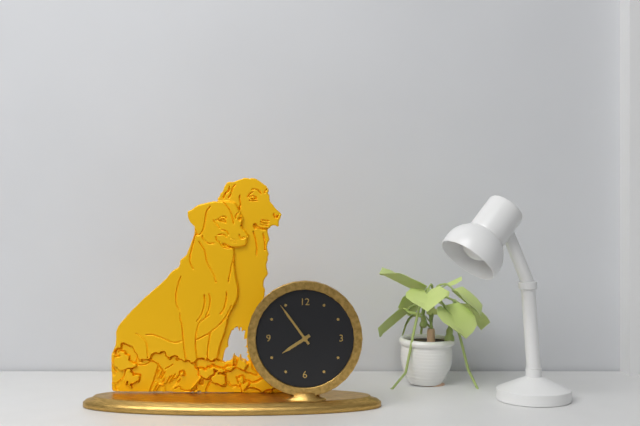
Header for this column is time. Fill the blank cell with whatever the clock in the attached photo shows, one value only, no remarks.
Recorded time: 7:54
